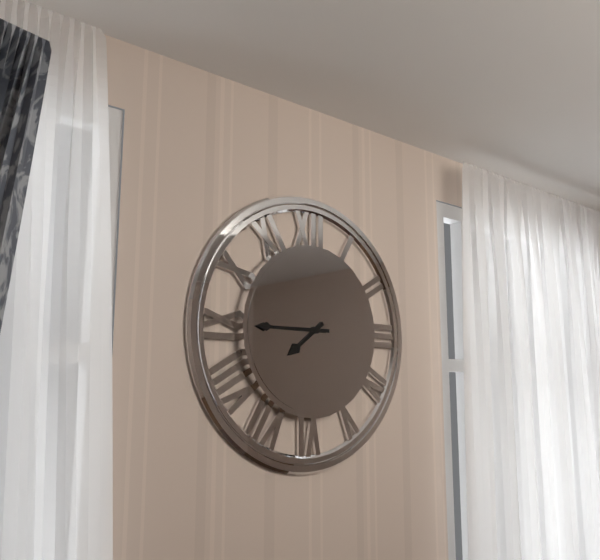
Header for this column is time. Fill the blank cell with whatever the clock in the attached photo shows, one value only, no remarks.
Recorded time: 7:45
